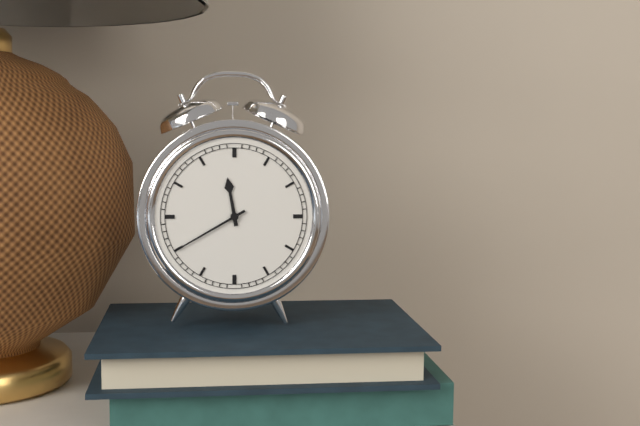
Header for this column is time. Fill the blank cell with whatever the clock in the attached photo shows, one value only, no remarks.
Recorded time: 11:40
